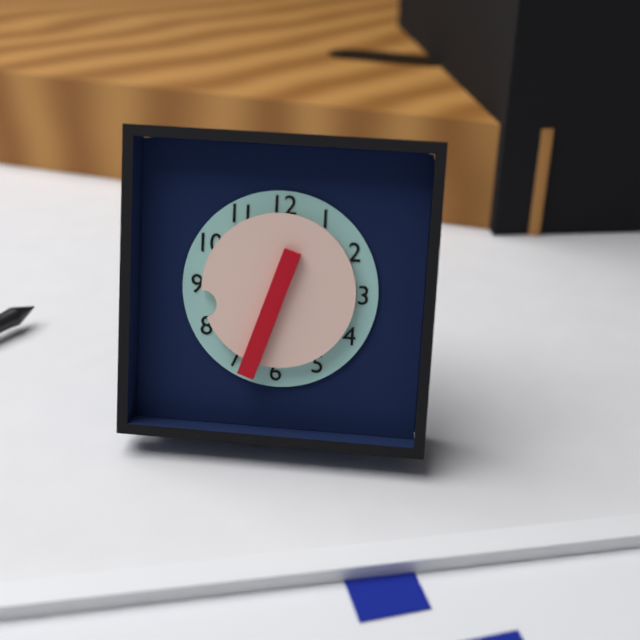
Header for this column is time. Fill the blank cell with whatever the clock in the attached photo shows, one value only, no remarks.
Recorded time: 8:33
